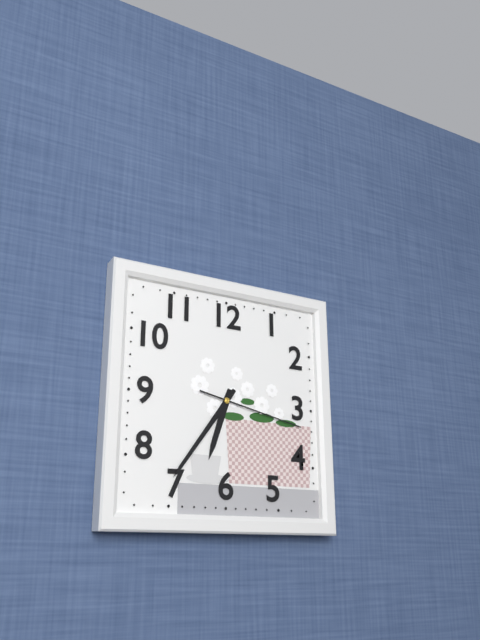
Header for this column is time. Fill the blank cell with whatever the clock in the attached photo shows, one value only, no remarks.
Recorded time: 6:36:17
